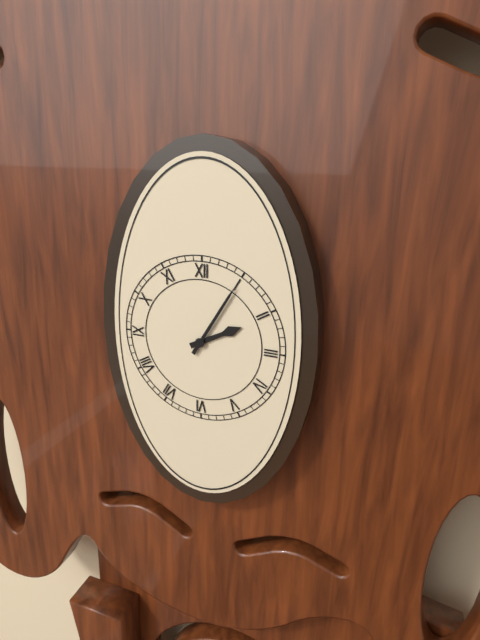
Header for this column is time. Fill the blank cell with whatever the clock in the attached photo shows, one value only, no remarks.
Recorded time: 2:05
